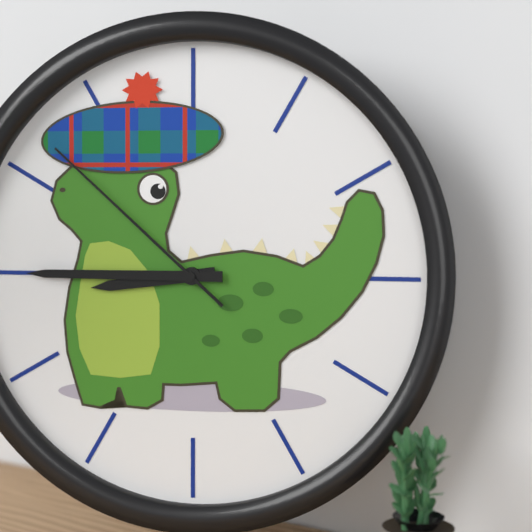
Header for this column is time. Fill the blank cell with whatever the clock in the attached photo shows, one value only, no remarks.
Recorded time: 8:45:52
